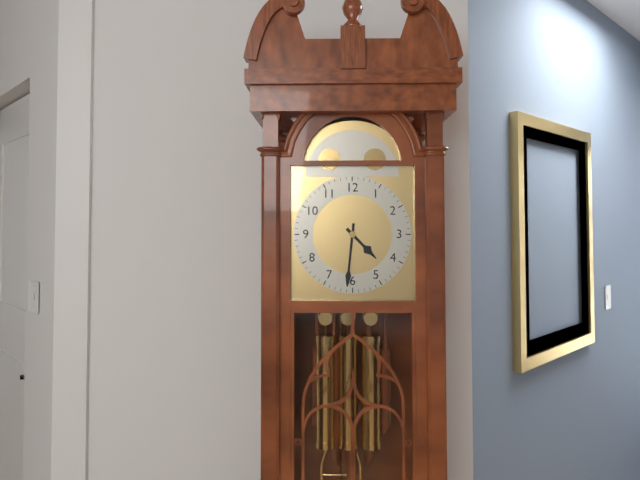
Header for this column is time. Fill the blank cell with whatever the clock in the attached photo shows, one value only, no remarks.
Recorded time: 4:31
